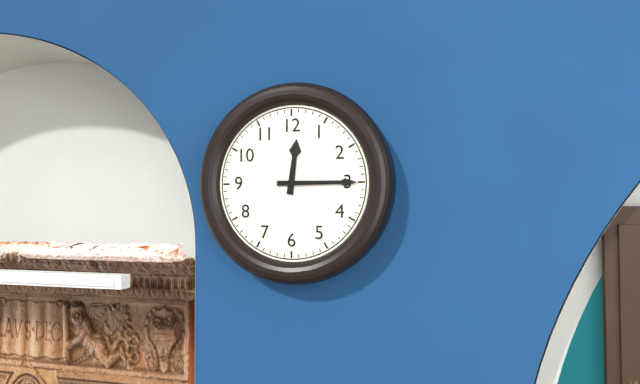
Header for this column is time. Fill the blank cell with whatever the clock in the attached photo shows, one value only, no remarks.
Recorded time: 12:15
